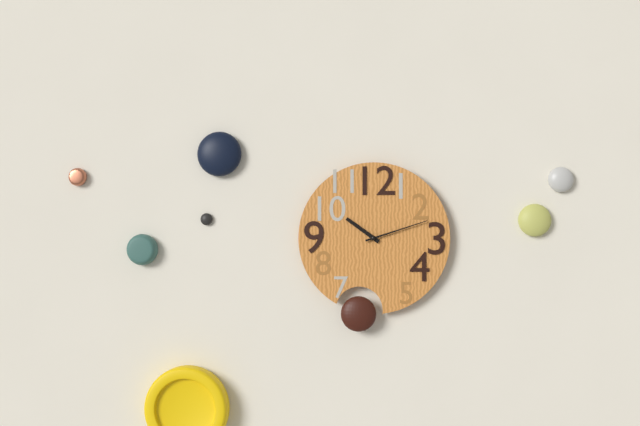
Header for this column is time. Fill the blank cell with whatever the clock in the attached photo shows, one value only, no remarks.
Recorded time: 10:12
